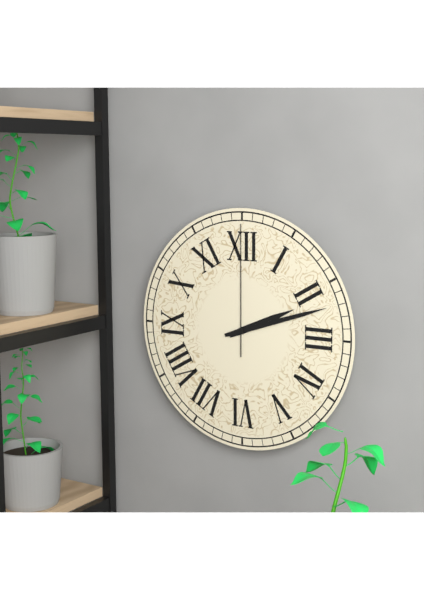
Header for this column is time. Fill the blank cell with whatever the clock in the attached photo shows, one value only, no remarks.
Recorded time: 2:12:00
